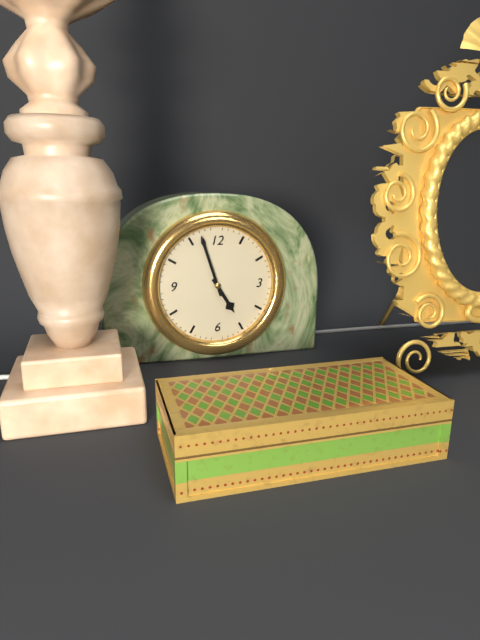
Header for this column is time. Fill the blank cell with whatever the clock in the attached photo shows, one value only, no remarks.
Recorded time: 4:57
